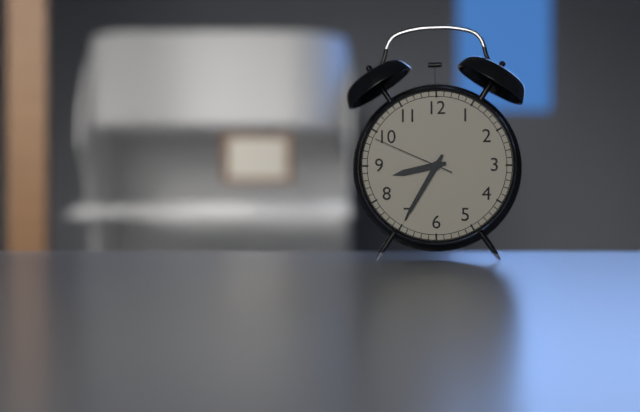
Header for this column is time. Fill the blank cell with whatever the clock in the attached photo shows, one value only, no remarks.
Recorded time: 8:35:49
